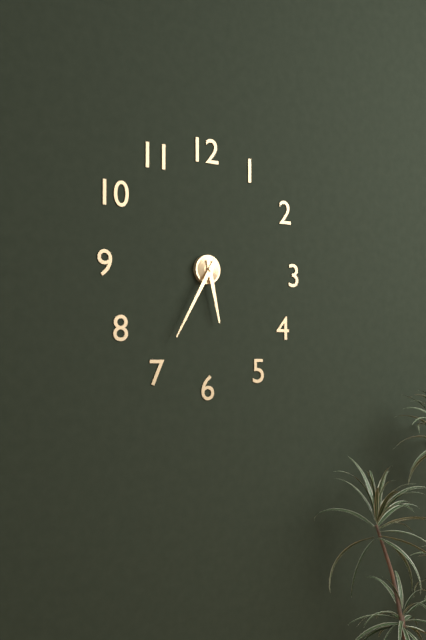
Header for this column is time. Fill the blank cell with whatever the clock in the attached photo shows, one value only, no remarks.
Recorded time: 5:35
